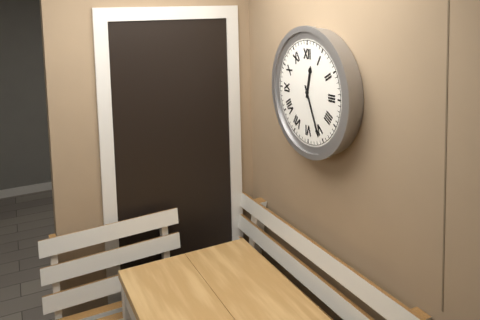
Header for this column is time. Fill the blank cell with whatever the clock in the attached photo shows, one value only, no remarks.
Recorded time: 12:26
